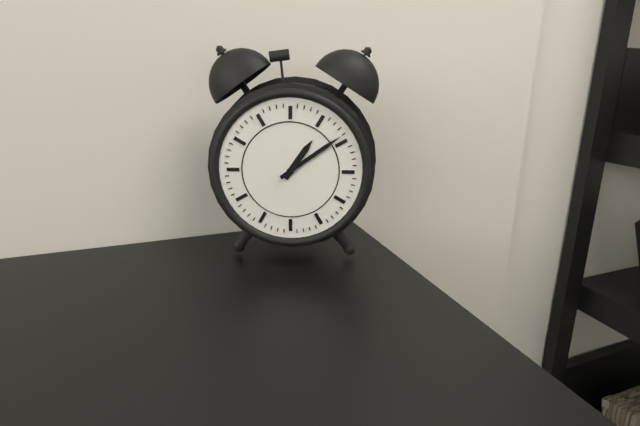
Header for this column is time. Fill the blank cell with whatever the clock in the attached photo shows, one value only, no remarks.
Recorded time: 1:09
